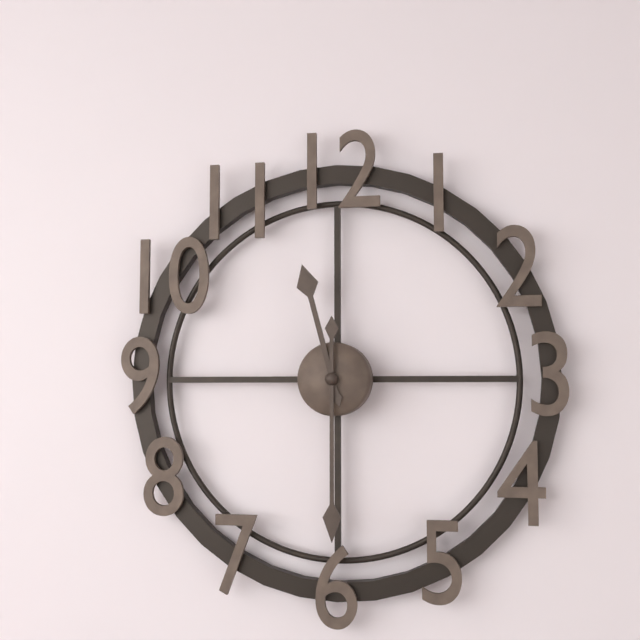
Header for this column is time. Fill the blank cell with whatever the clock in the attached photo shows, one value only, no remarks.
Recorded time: 11:30
